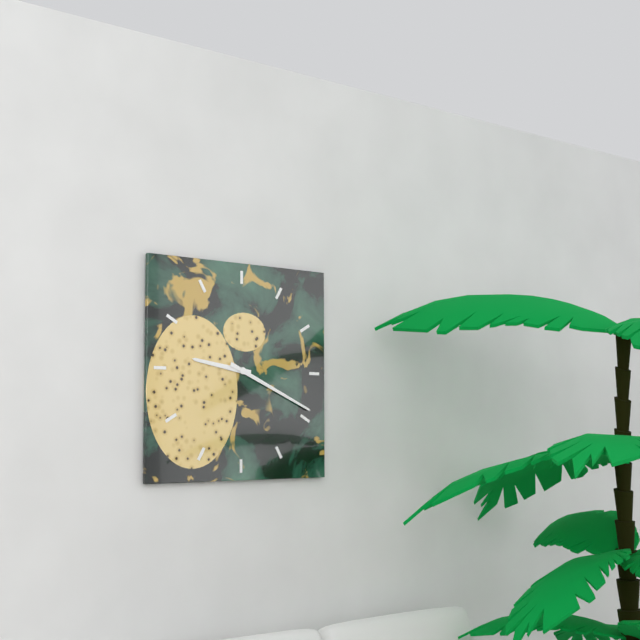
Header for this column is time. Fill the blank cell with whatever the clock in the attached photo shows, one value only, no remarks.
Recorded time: 9:19
